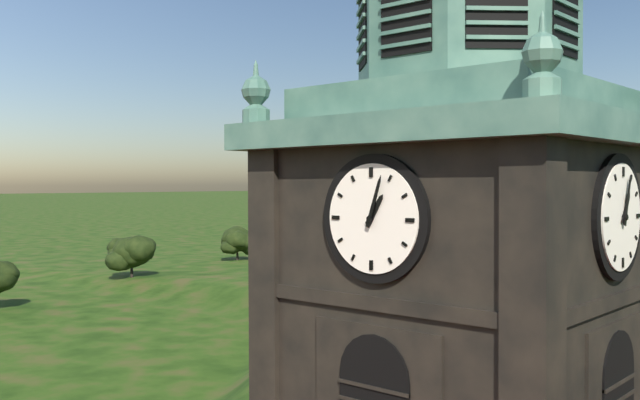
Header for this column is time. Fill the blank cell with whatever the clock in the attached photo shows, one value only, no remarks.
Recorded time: 1:03
